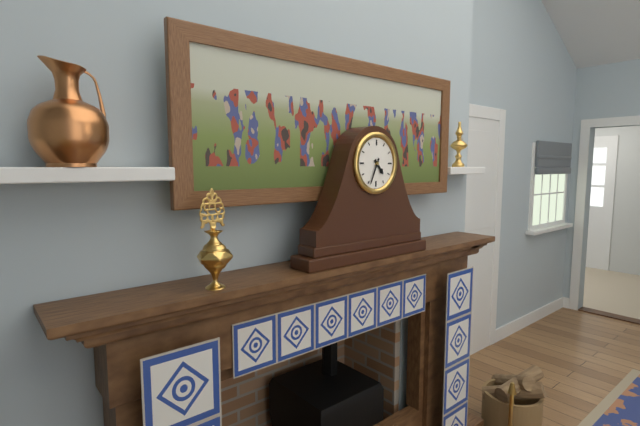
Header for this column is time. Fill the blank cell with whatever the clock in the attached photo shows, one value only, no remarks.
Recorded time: 4:34
